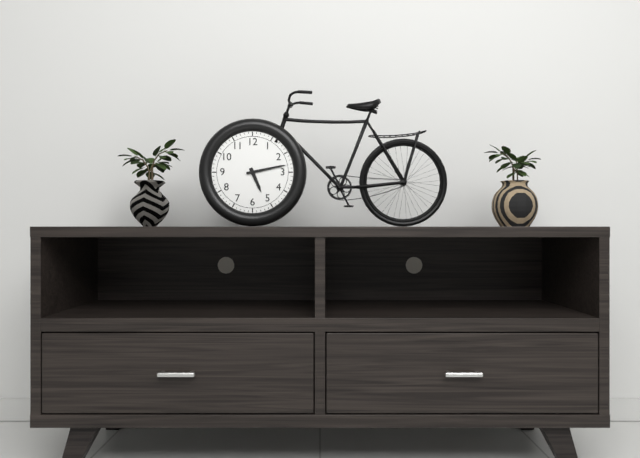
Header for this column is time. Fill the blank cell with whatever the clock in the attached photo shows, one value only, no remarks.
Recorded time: 5:13
